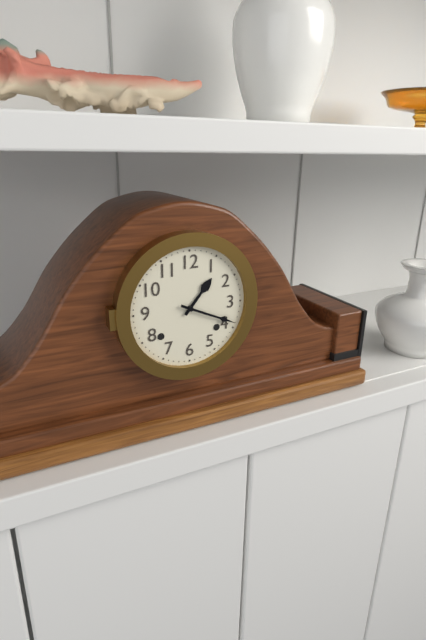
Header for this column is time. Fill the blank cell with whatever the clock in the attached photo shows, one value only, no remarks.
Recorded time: 1:19
